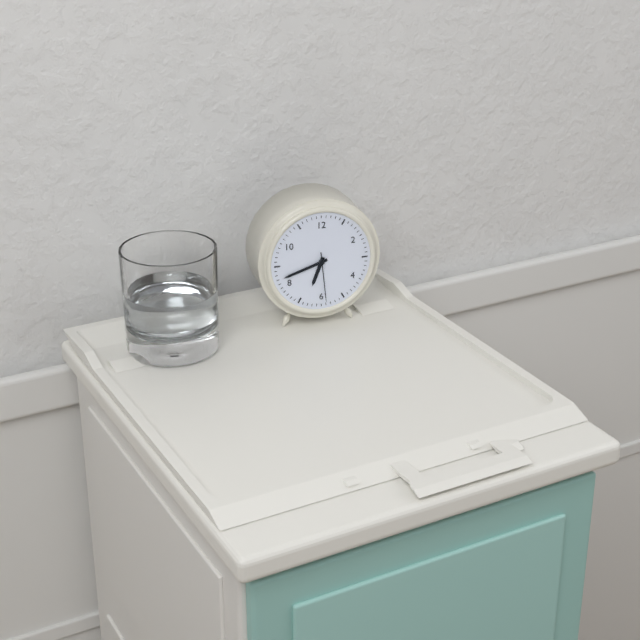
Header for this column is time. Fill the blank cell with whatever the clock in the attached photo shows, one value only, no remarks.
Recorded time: 6:42:29
